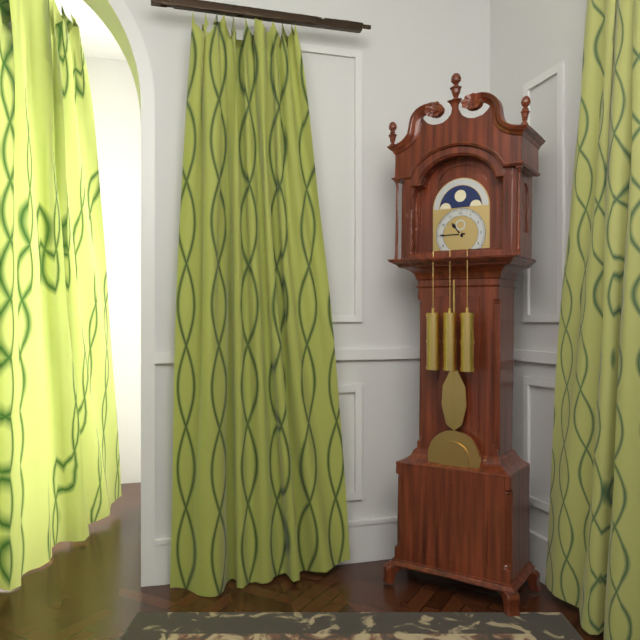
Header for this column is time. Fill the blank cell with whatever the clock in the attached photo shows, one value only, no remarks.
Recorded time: 10:45
